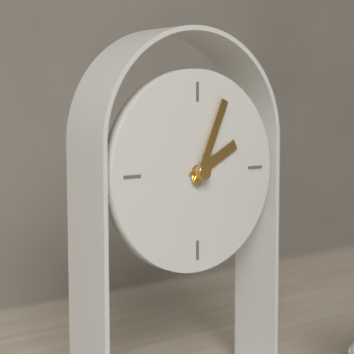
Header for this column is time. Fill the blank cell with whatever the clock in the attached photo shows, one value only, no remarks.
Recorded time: 2:04
